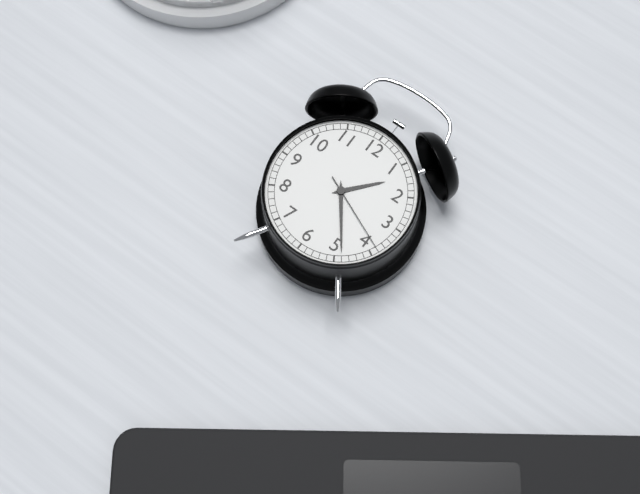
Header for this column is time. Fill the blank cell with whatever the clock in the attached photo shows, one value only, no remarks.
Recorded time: 1:24:19
